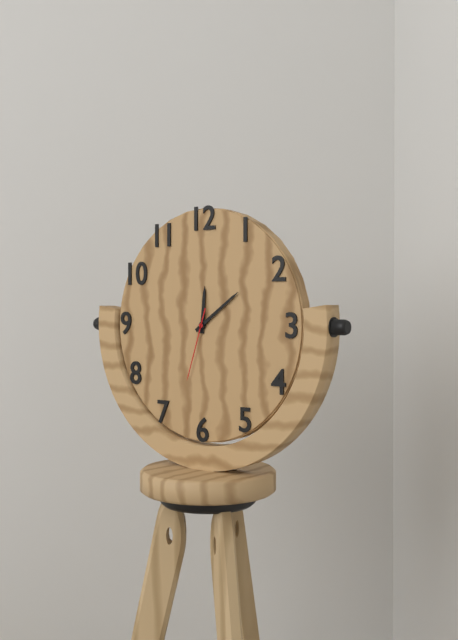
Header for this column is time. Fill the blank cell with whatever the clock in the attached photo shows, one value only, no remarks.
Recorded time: 12:09:33
